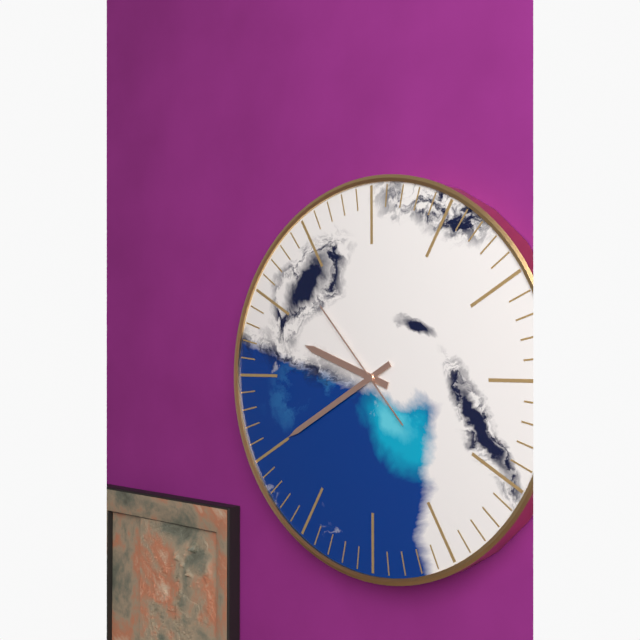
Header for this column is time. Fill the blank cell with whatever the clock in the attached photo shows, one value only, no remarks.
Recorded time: 9:40:53
